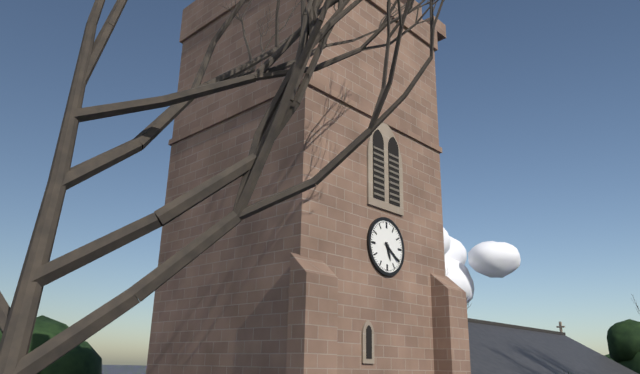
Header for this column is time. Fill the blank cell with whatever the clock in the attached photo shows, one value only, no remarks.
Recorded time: 5:21
